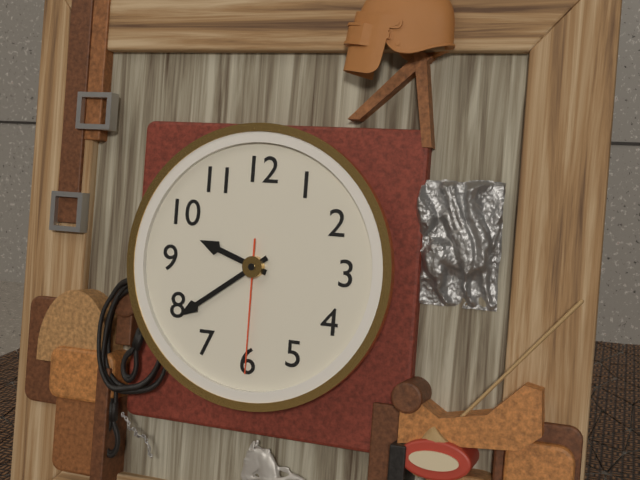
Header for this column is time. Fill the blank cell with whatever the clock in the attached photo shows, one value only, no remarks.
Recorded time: 9:39:30
